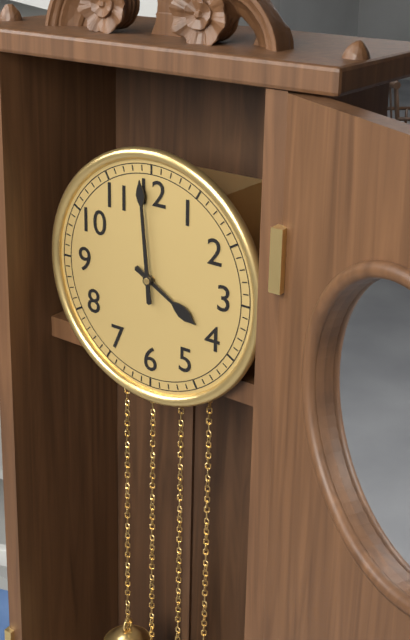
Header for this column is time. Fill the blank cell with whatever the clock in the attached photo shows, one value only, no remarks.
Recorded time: 3:59
